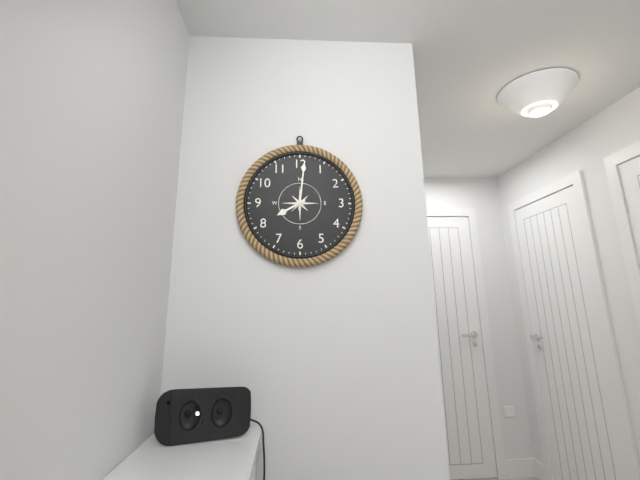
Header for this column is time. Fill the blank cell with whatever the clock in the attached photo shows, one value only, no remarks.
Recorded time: 8:01
